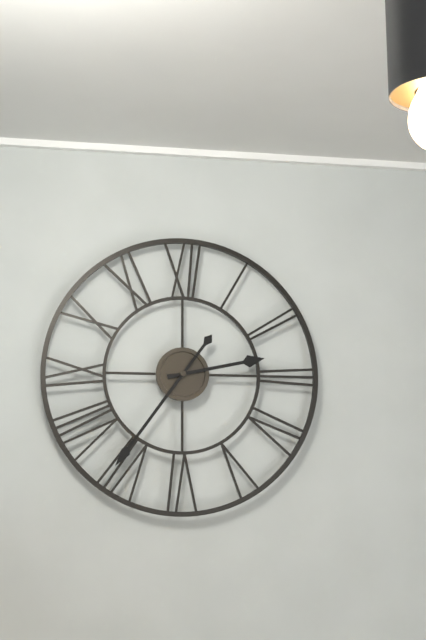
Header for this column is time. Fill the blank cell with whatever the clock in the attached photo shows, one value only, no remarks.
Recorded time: 2:36
